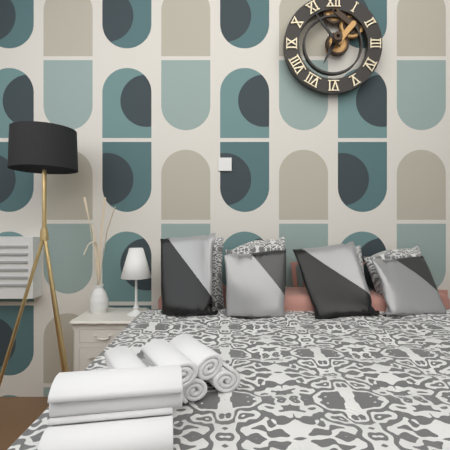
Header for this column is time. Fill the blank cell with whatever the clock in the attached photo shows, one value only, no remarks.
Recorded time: 6:54
